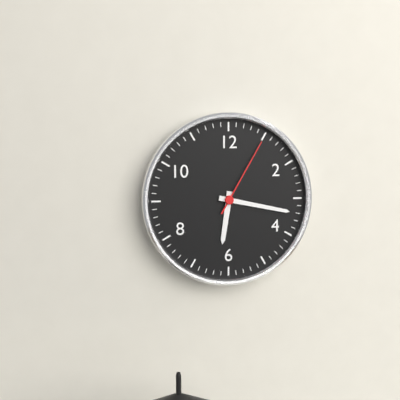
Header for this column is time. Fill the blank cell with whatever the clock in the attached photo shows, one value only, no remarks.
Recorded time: 6:17:05
